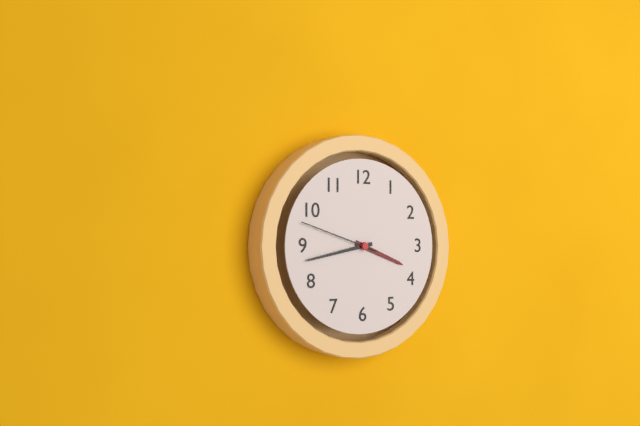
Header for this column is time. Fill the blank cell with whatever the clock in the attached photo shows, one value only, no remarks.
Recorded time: 3:43:48
